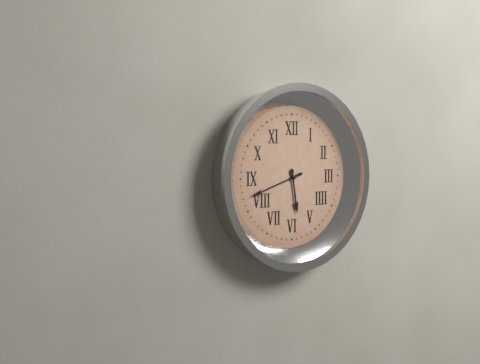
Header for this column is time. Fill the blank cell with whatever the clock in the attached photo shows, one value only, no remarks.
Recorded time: 5:42
